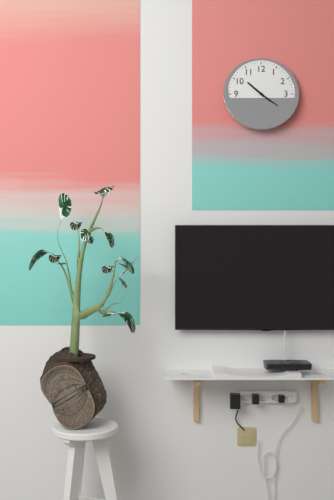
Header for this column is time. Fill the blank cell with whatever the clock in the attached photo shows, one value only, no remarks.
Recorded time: 10:21
